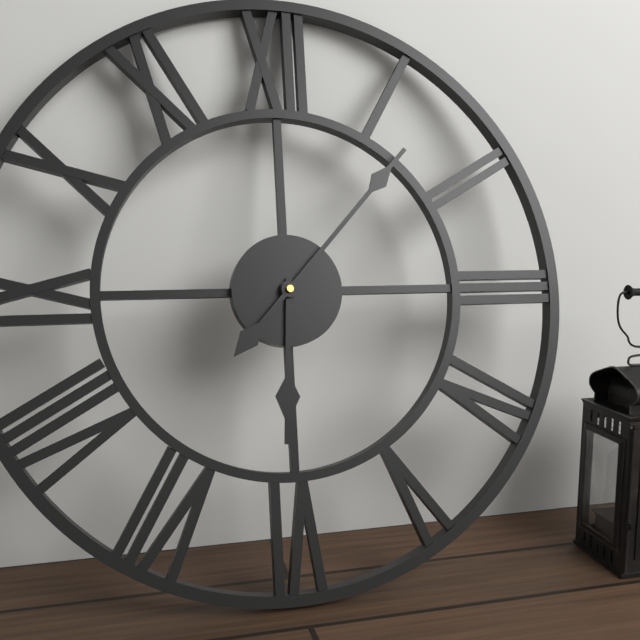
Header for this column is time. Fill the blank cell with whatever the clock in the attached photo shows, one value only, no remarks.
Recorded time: 6:07
